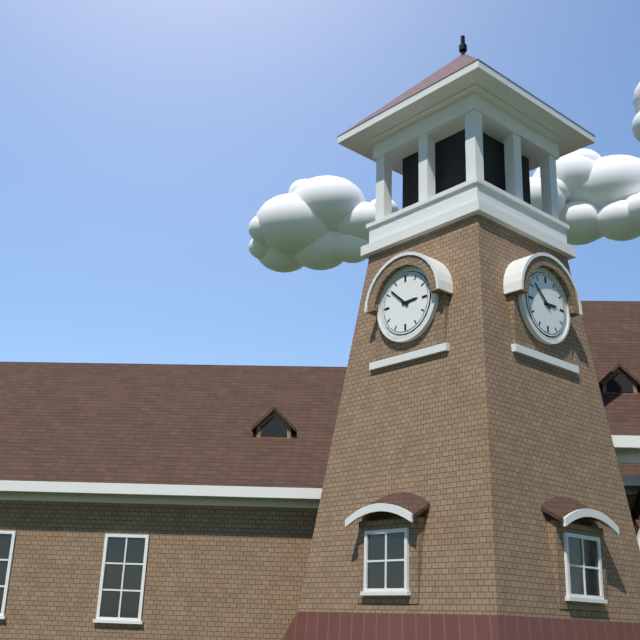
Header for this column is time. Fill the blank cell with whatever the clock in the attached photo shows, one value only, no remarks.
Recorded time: 2:52
